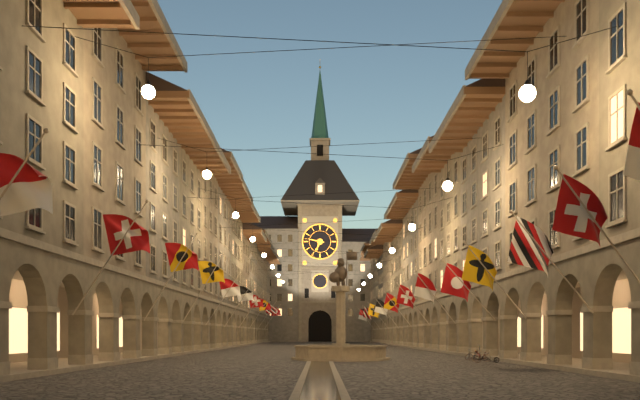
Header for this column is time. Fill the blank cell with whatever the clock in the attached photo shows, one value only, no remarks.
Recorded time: 6:47
